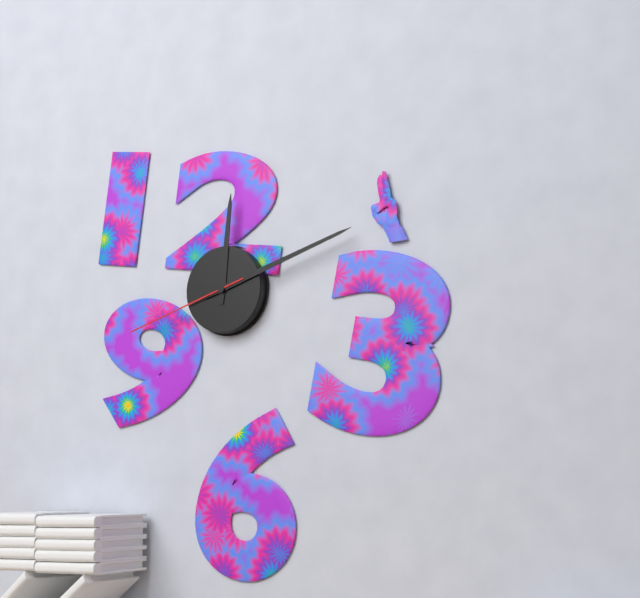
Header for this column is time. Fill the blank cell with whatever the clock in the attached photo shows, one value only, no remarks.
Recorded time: 12:12:42
